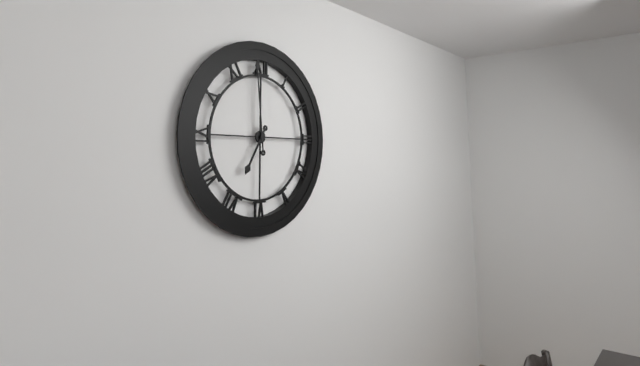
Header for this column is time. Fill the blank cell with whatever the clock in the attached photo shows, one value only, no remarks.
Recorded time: 6:59
